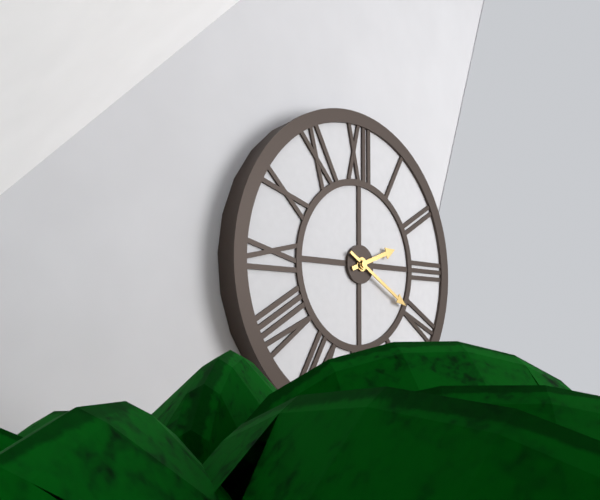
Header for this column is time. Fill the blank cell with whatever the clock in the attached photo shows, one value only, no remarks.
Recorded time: 2:20
